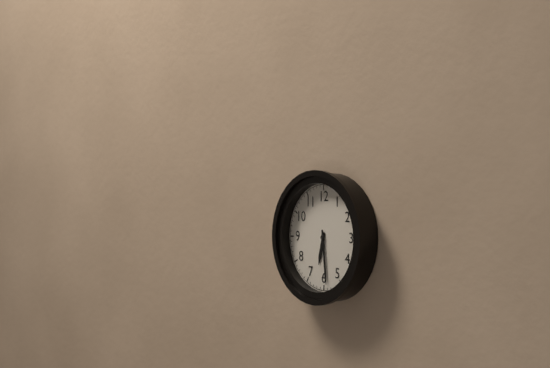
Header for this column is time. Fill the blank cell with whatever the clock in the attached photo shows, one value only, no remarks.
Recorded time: 6:29
